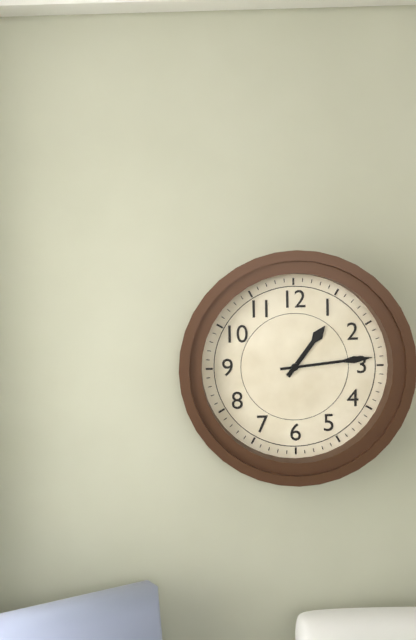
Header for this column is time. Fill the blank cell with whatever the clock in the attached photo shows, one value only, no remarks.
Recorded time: 1:14
